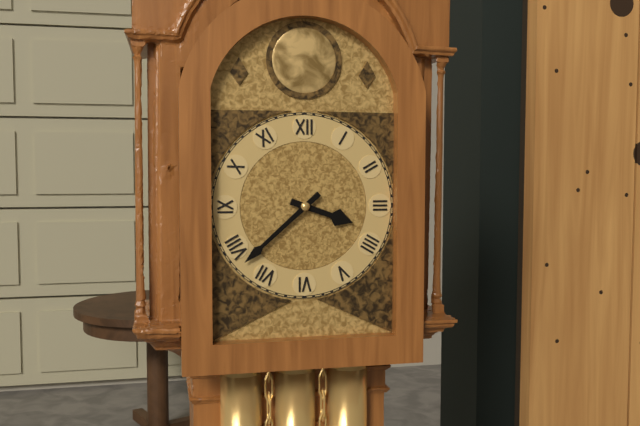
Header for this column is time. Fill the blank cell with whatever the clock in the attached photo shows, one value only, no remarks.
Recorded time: 3:38
